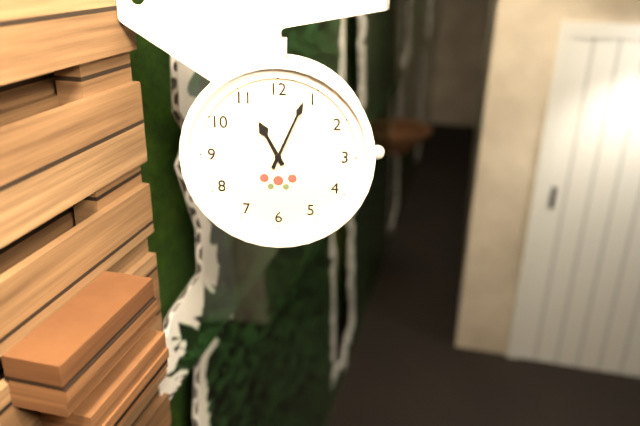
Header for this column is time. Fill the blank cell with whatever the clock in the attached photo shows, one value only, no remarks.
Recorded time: 11:04
